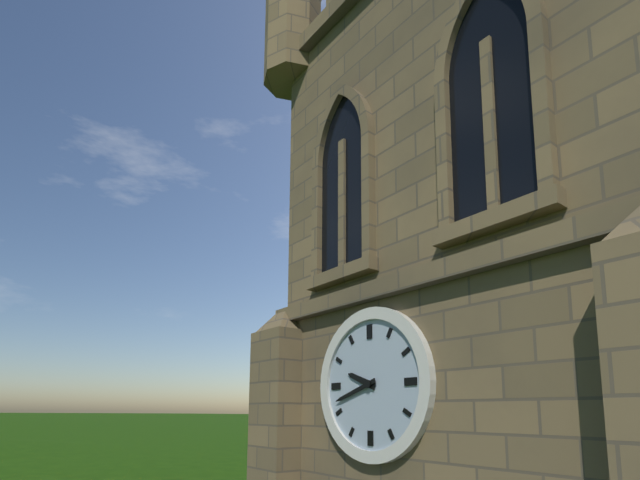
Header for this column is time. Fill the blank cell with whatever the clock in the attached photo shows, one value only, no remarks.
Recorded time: 9:42
